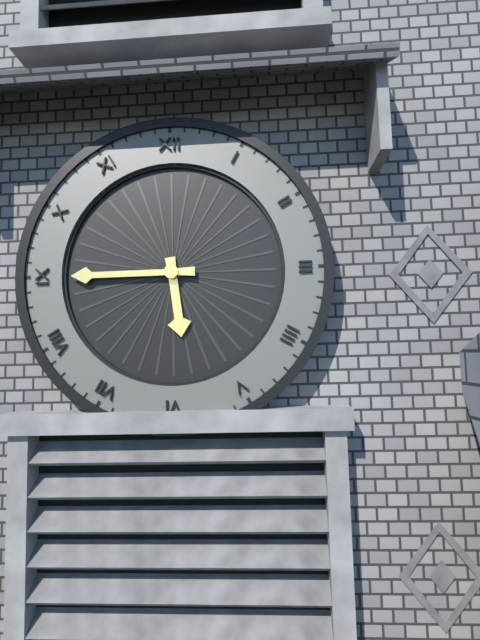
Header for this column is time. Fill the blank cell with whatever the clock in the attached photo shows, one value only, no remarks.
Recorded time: 5:45
